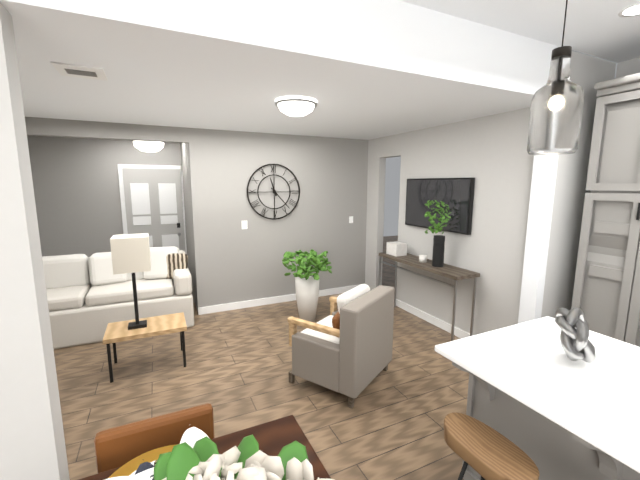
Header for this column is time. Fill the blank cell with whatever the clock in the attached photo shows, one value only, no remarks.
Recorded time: 11:23
